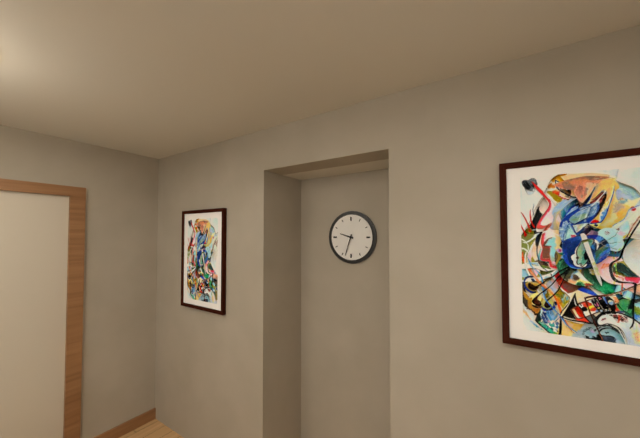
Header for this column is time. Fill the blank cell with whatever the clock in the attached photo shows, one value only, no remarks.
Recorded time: 9:33
